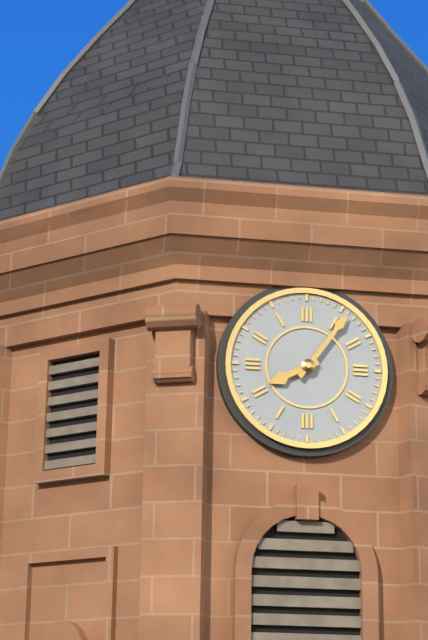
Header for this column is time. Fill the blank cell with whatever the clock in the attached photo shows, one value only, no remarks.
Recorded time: 8:06
